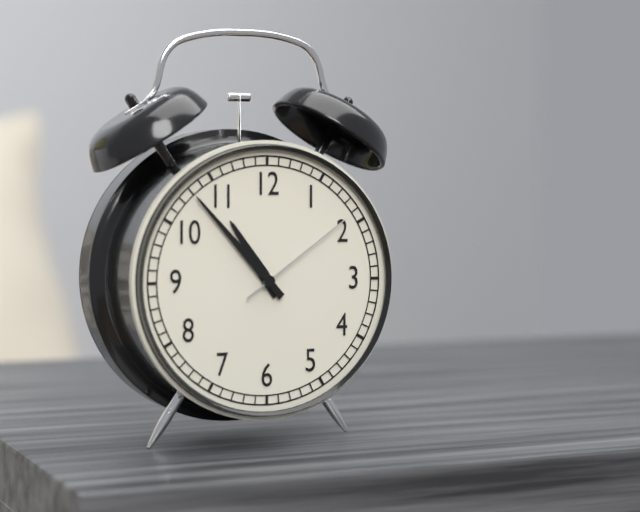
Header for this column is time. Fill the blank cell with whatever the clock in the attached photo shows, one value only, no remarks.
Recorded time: 10:53:09
